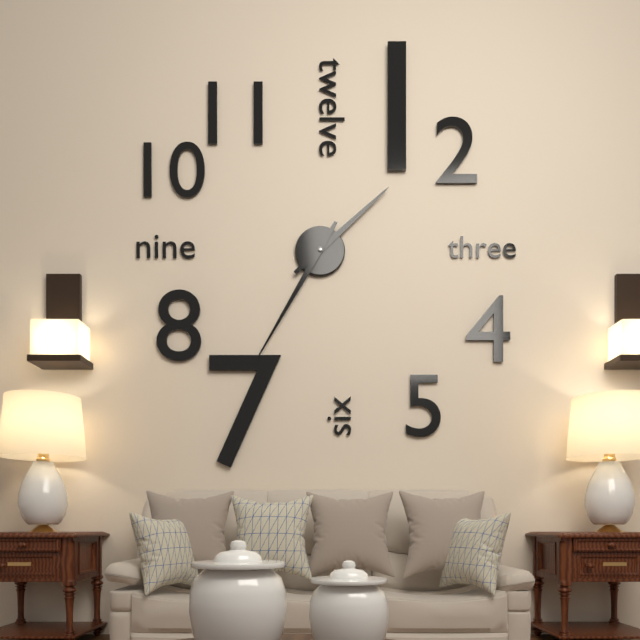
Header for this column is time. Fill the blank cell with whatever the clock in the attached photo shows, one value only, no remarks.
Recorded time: 1:35
